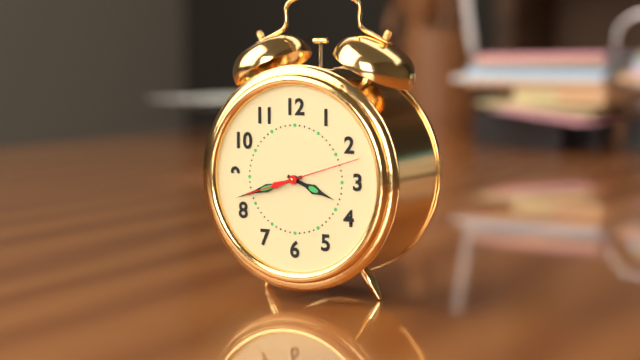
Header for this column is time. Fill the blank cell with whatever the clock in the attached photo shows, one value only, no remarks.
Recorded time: 3:42:12
